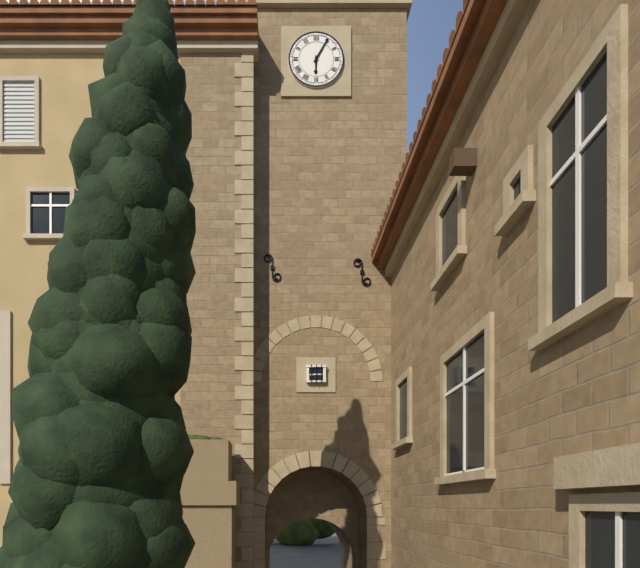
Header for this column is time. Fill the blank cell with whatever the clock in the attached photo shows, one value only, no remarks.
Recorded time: 6:05
